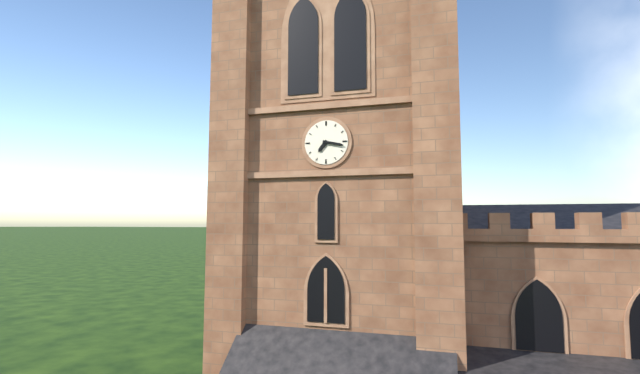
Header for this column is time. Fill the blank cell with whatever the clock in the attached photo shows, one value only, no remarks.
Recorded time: 7:17
